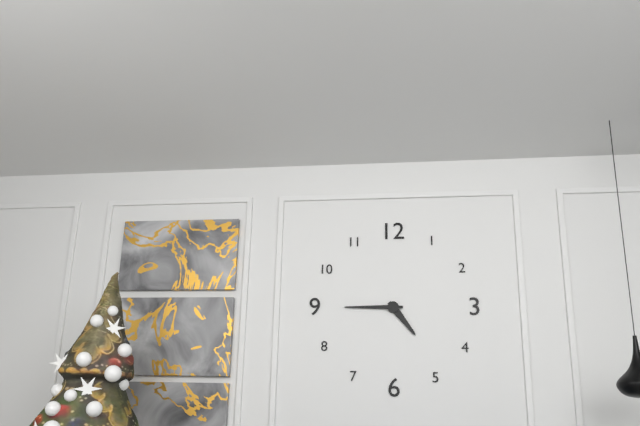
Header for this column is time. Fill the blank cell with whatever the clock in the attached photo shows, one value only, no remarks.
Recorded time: 4:45
